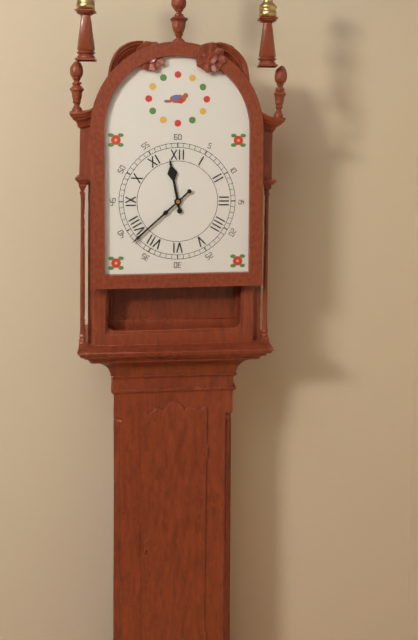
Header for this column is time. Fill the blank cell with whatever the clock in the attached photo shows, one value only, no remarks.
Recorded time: 11:38
